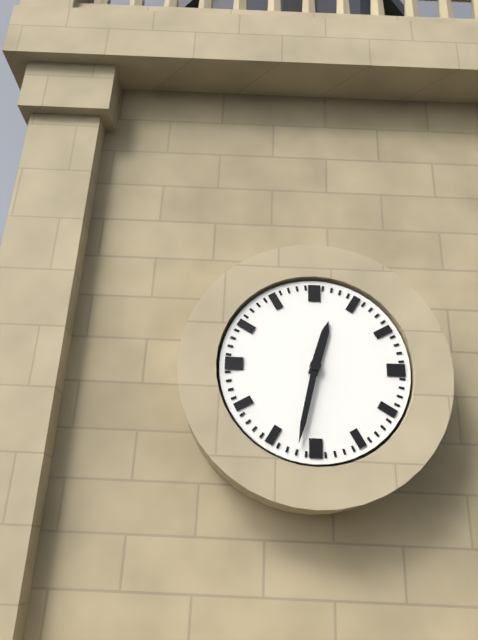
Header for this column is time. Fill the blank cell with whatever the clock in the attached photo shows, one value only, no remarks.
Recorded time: 12:32
